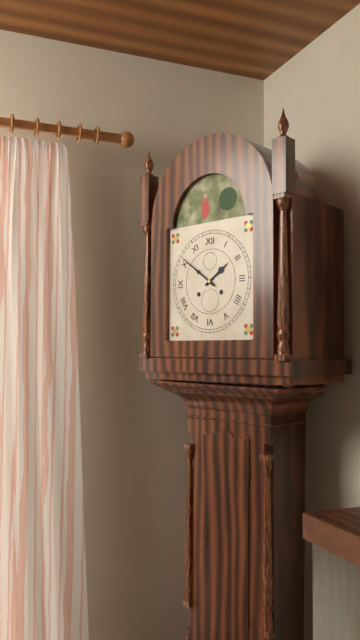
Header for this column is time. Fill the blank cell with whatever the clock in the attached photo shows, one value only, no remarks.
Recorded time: 1:51
